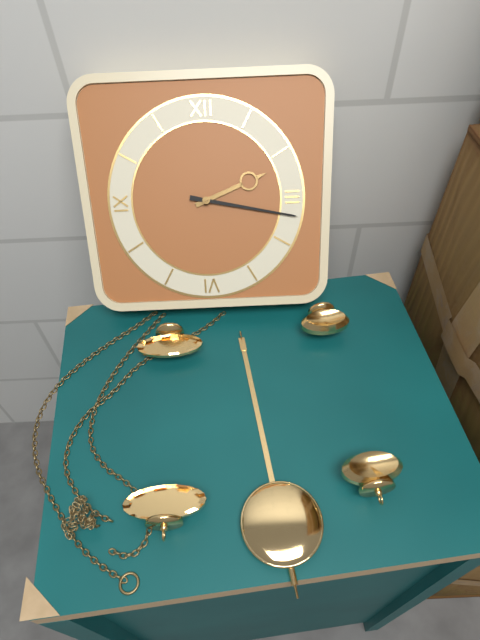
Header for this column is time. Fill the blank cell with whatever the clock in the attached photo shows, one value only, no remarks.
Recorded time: 2:17
